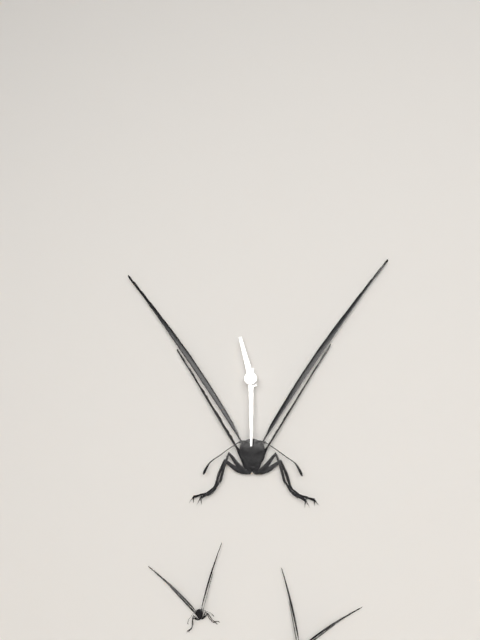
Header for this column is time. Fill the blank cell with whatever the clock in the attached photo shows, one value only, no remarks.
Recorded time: 11:30
